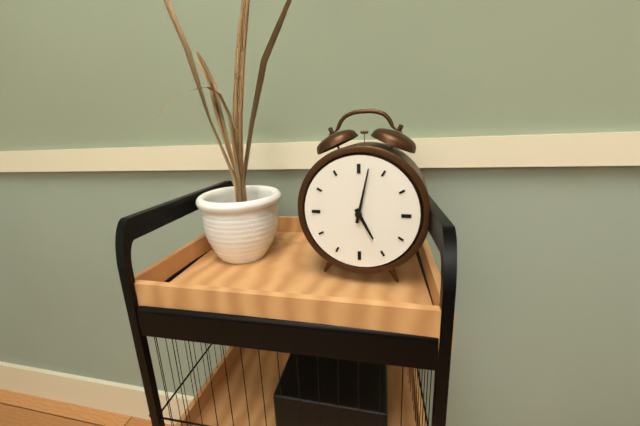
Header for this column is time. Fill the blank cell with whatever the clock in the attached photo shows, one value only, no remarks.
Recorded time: 5:02
